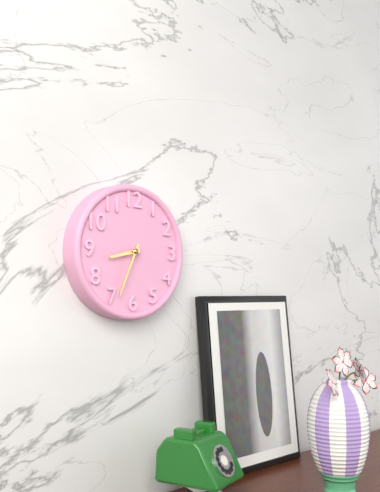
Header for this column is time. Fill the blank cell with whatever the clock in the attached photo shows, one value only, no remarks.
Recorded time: 8:34
